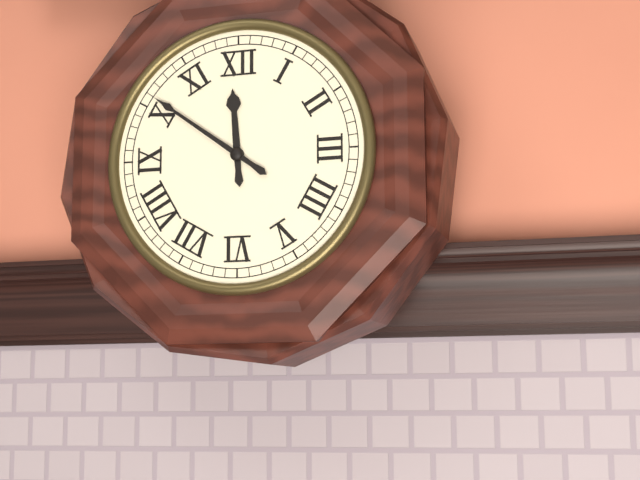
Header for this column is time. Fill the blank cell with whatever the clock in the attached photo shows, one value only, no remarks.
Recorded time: 11:51
